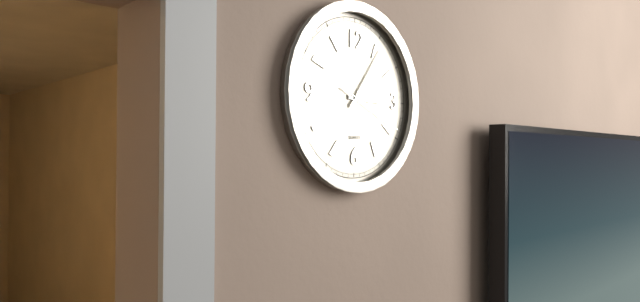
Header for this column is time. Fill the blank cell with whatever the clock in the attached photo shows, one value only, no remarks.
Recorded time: 3:06:19
